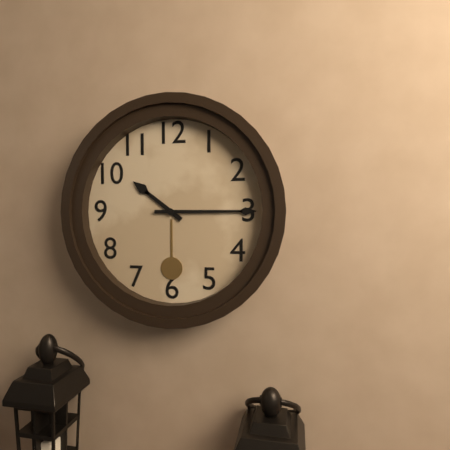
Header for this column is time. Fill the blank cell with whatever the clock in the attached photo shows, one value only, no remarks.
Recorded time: 10:15
